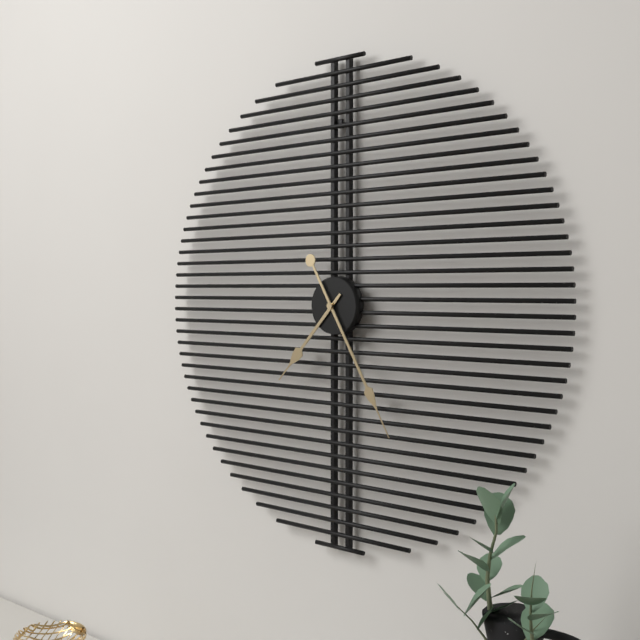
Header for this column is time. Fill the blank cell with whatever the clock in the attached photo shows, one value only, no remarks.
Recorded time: 7:25
